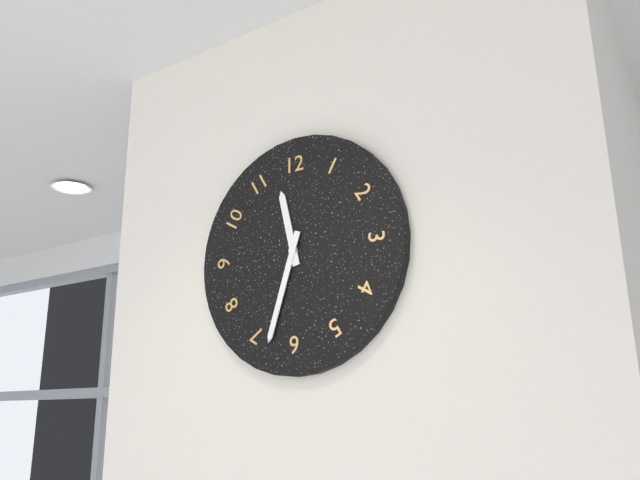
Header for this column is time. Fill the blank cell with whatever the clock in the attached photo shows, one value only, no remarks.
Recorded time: 11:33
